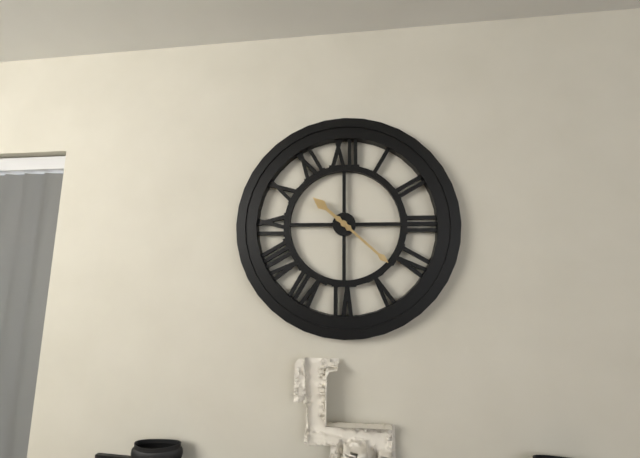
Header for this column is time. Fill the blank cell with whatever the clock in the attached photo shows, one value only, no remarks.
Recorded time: 10:22
